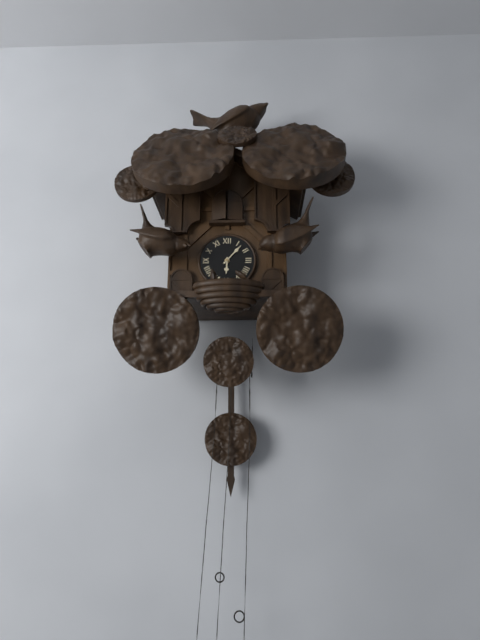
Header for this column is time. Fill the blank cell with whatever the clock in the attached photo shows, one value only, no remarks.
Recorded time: 6:07
